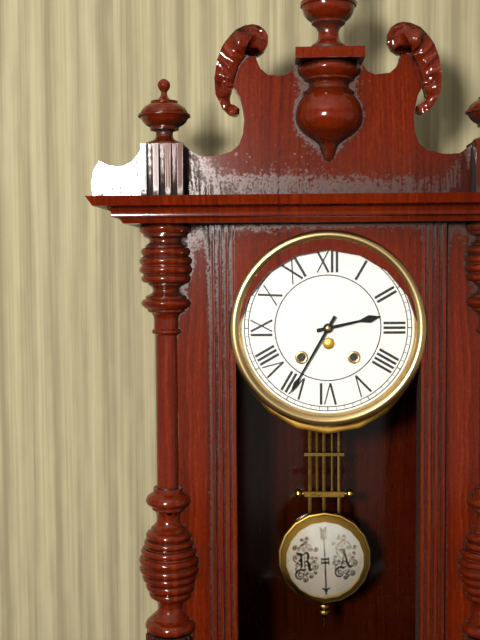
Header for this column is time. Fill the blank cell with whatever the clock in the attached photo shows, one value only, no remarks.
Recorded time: 2:35
